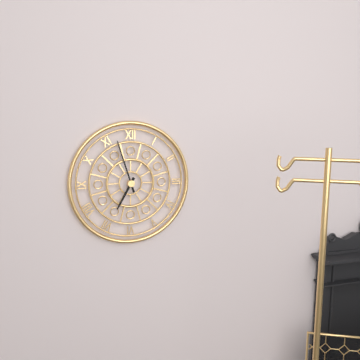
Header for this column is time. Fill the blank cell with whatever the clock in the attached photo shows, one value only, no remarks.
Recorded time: 6:57
